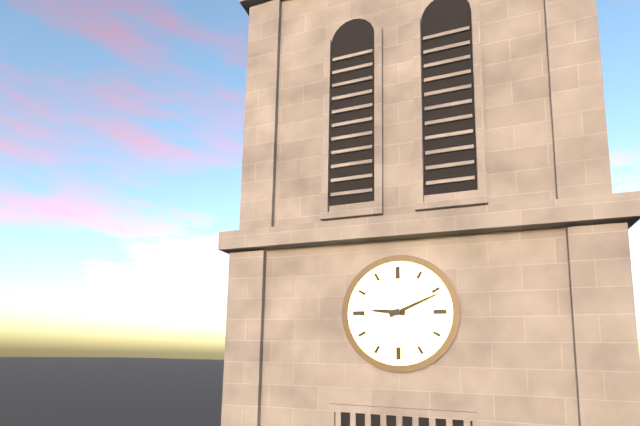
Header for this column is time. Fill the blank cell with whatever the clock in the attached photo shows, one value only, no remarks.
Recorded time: 9:11
